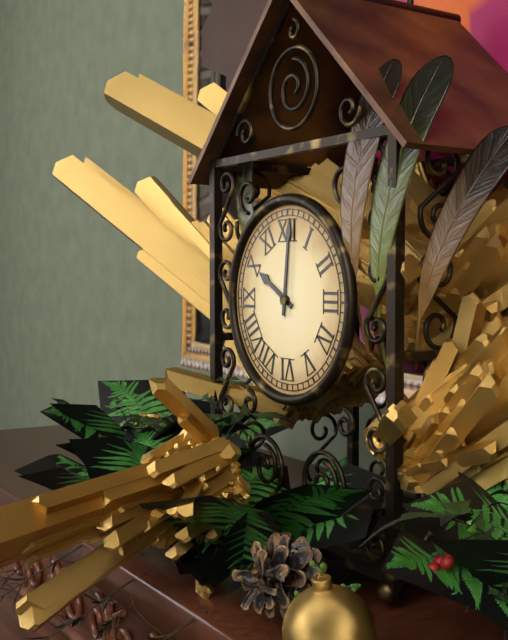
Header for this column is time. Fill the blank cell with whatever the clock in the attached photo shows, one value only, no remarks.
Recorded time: 10:01
